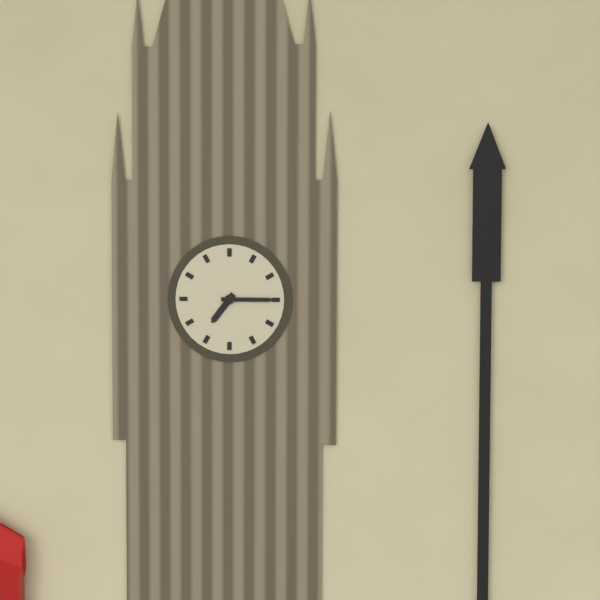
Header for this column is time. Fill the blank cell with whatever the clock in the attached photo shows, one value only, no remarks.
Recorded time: 7:15
